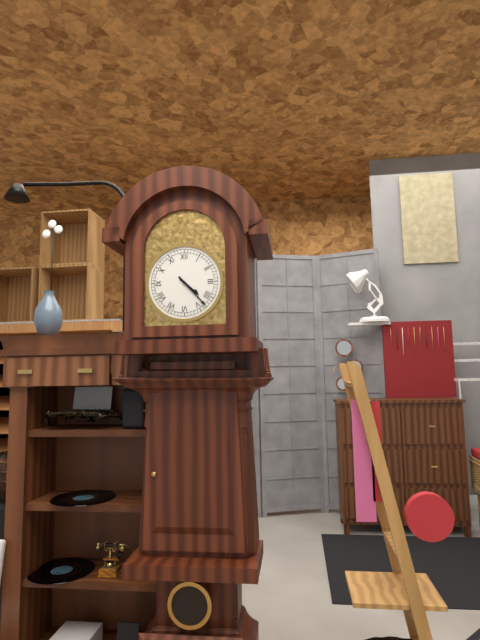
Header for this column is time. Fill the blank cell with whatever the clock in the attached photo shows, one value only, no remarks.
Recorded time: 4:23
